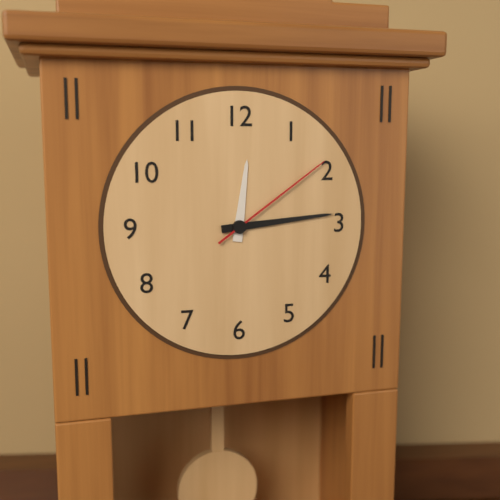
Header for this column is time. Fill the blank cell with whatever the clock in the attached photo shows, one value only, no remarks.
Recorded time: 12:14:09
